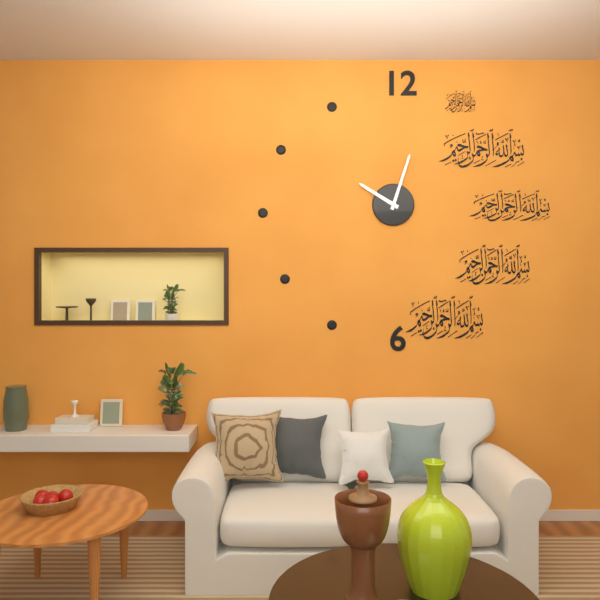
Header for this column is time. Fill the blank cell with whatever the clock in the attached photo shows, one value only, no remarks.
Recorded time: 10:03
